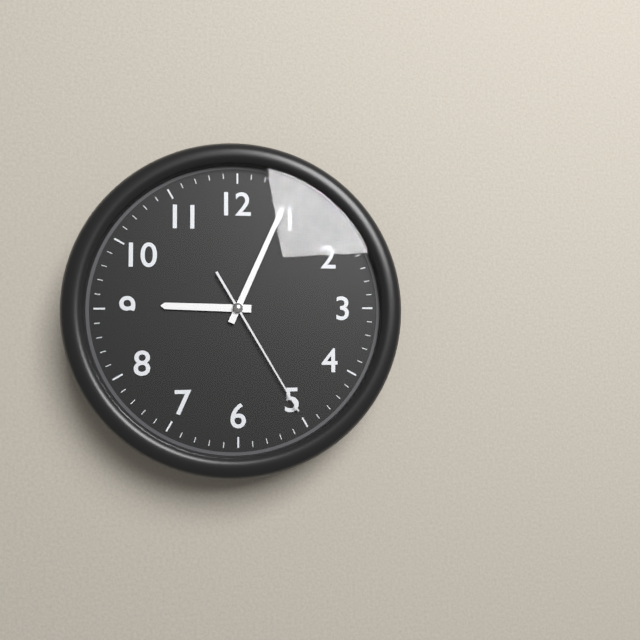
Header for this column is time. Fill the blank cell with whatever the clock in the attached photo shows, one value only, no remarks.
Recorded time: 9:04:25
